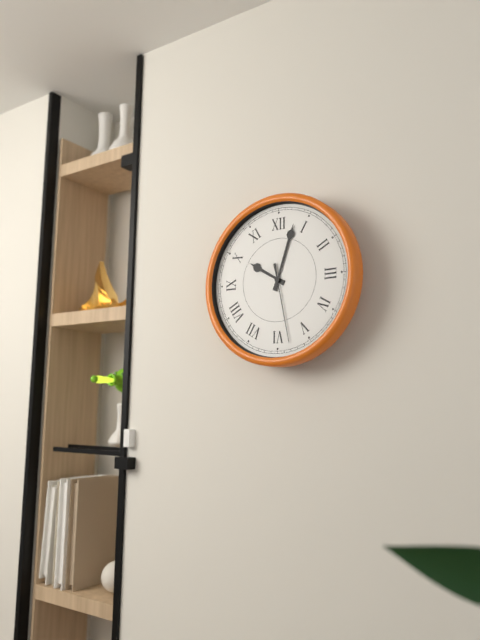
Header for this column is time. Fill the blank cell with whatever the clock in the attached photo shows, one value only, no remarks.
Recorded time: 10:03:28
